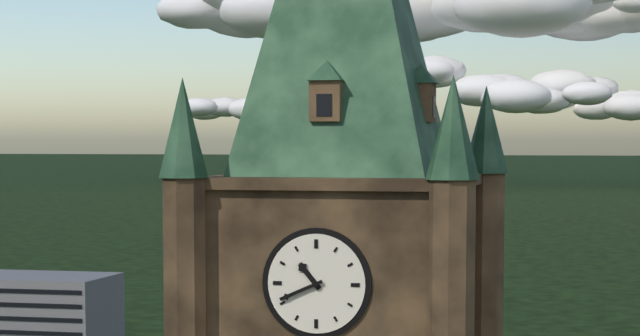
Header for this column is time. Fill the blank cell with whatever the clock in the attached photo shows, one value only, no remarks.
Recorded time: 10:41
